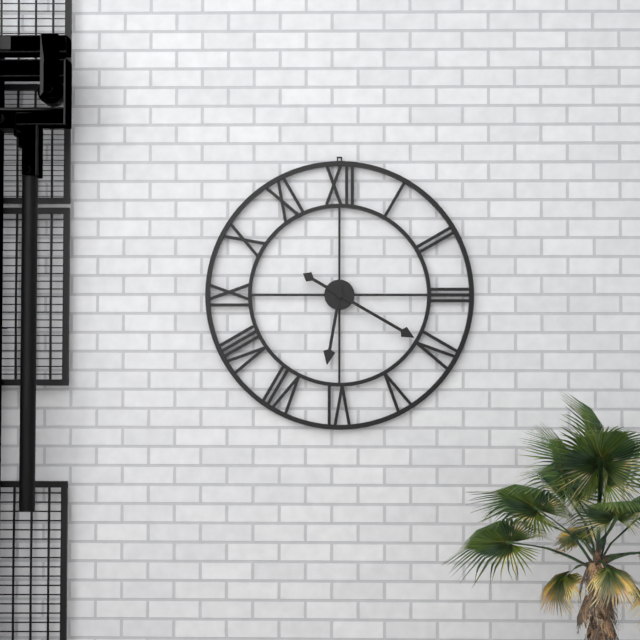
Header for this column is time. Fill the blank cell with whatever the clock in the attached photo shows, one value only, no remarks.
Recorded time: 6:20
